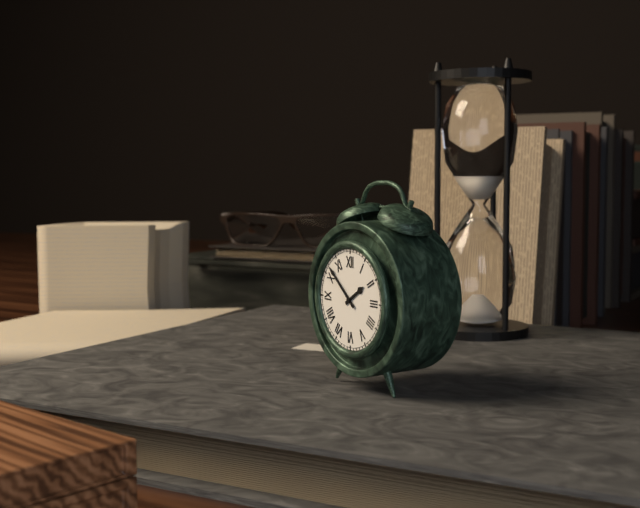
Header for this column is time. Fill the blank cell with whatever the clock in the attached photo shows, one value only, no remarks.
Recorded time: 1:52
